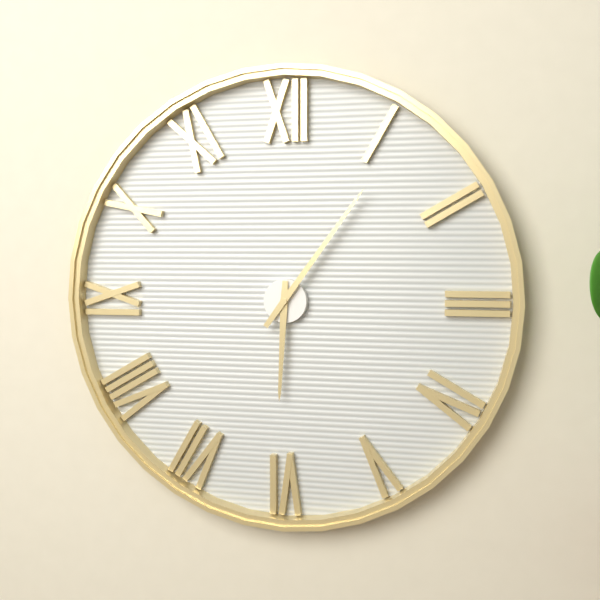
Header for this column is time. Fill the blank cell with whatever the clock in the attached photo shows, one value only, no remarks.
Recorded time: 6:06
